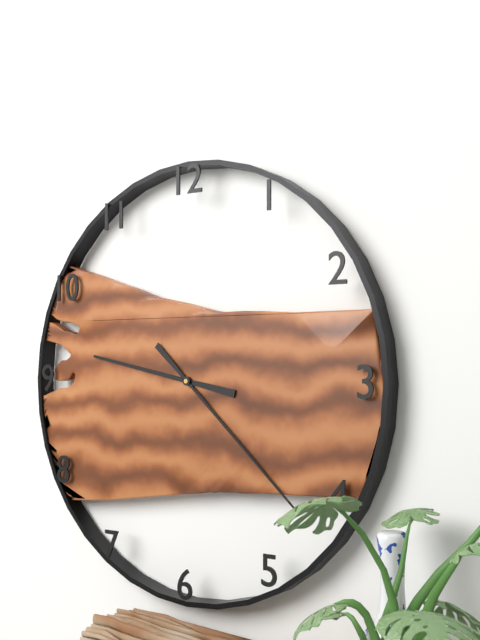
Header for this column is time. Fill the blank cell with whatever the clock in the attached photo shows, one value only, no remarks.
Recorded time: 9:22
